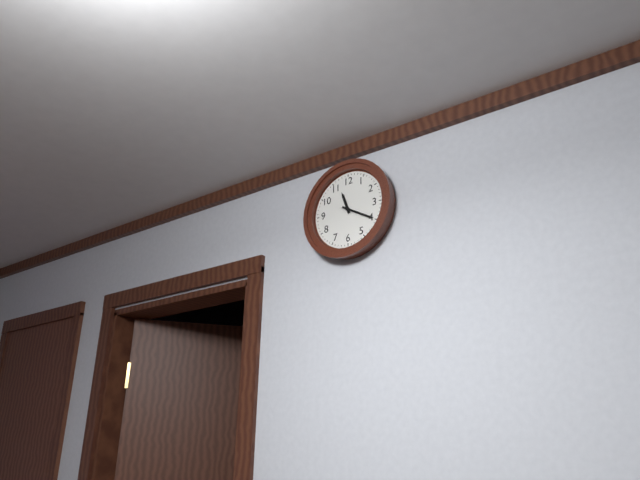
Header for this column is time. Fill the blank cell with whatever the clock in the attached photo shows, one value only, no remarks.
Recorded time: 11:20
